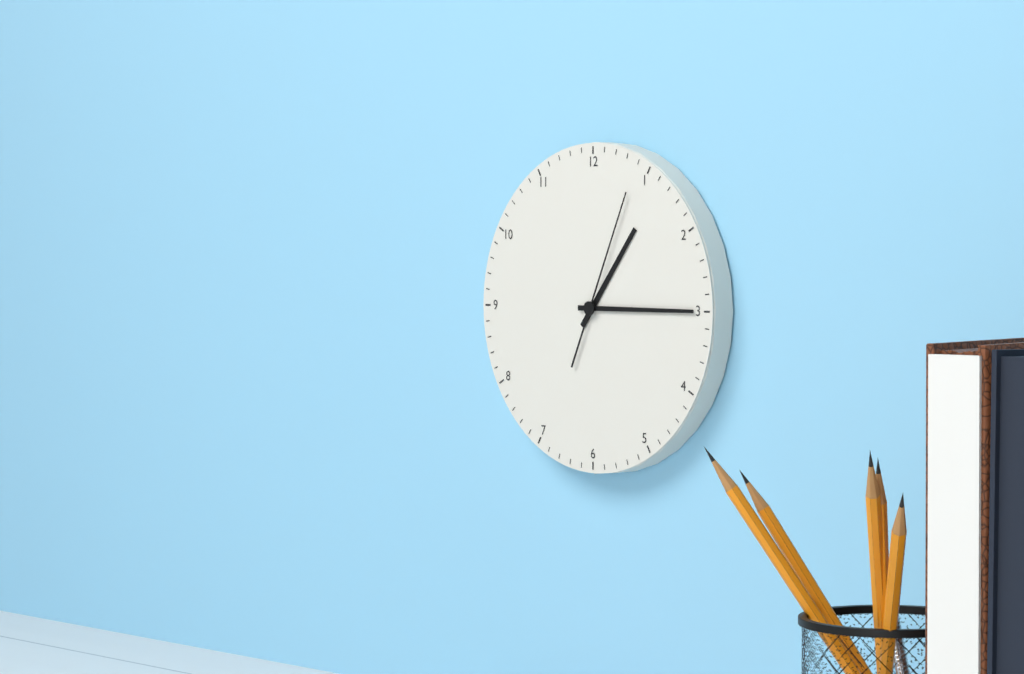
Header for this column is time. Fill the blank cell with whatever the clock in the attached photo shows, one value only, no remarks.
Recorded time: 1:15:04
